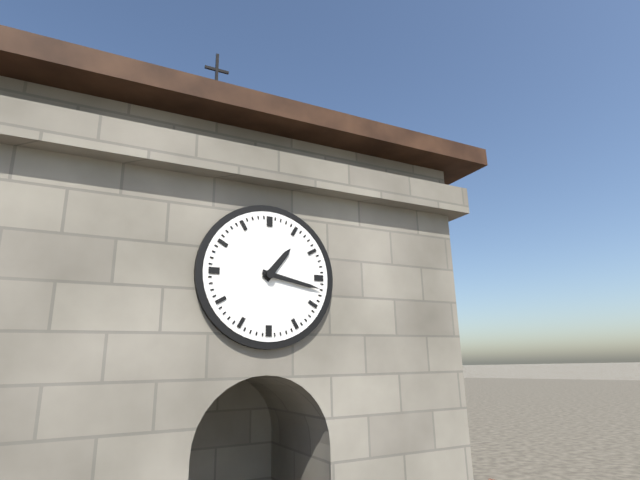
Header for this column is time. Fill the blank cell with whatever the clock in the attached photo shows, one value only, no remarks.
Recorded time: 1:17
